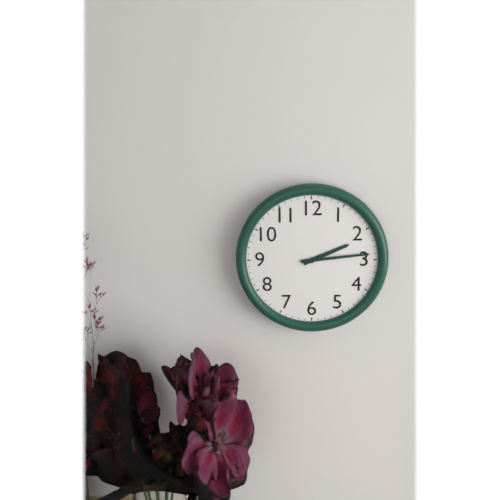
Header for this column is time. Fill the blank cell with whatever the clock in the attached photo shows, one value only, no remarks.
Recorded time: 2:14
